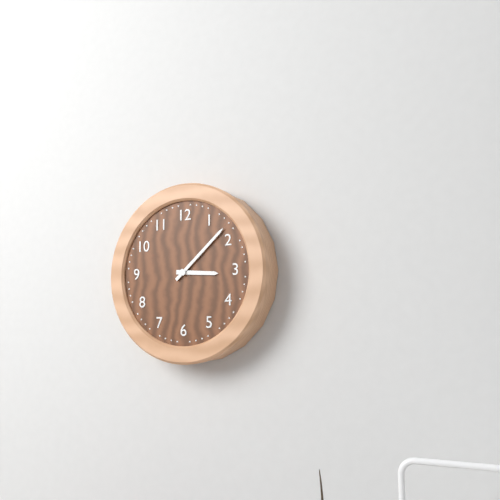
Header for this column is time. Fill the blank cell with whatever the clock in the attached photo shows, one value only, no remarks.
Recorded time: 3:08
